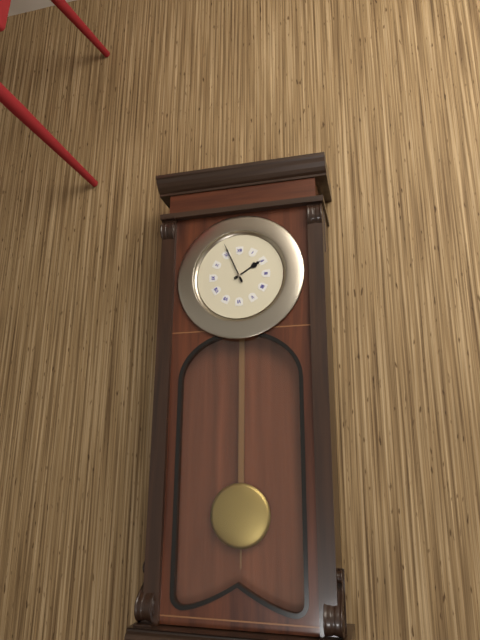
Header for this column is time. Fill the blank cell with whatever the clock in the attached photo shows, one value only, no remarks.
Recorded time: 1:56
